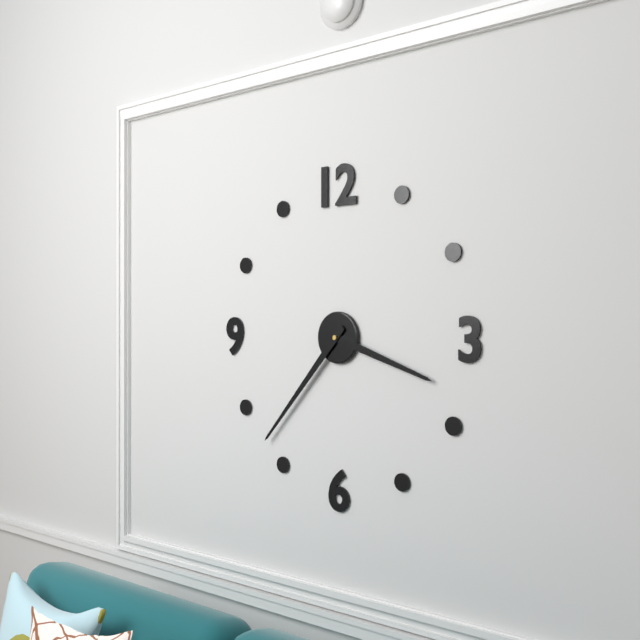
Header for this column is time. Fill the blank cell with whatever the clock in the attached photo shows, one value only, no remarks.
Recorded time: 3:37
